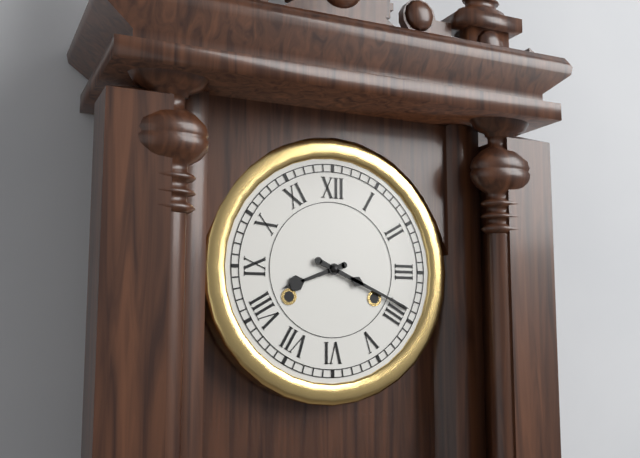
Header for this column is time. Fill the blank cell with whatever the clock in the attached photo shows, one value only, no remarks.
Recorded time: 8:19
